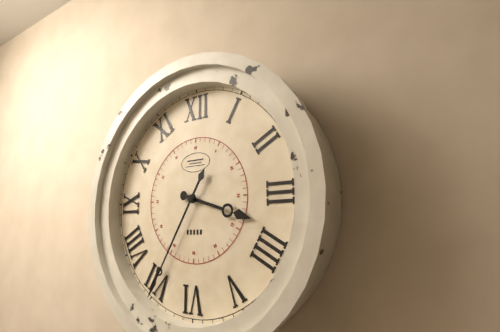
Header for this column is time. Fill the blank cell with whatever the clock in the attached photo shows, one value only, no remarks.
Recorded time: 3:35
